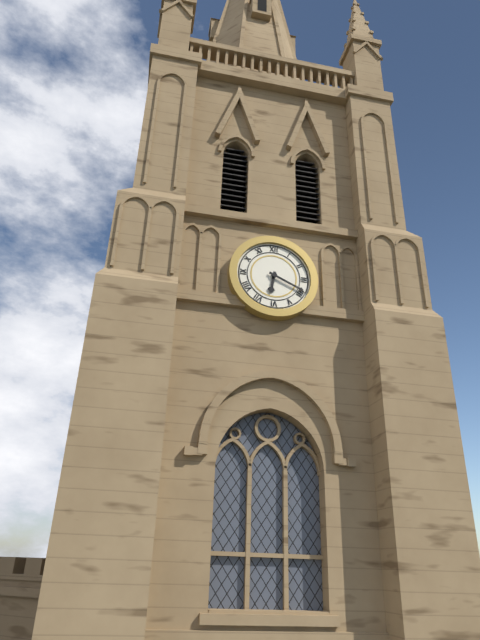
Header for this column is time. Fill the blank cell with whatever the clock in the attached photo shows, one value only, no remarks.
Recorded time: 6:19
